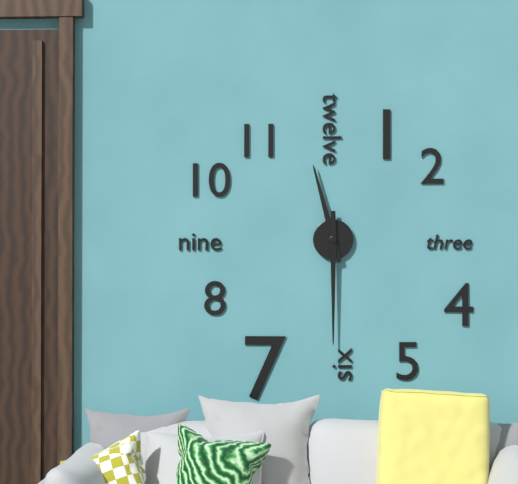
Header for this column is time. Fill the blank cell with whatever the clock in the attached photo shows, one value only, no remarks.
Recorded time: 11:30
